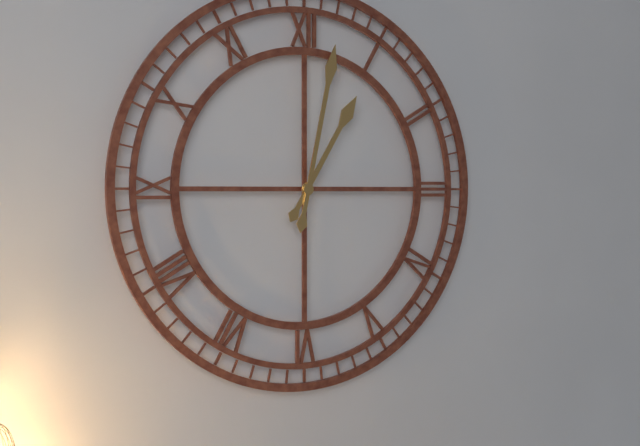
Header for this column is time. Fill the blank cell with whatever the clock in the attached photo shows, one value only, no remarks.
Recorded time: 1:02
